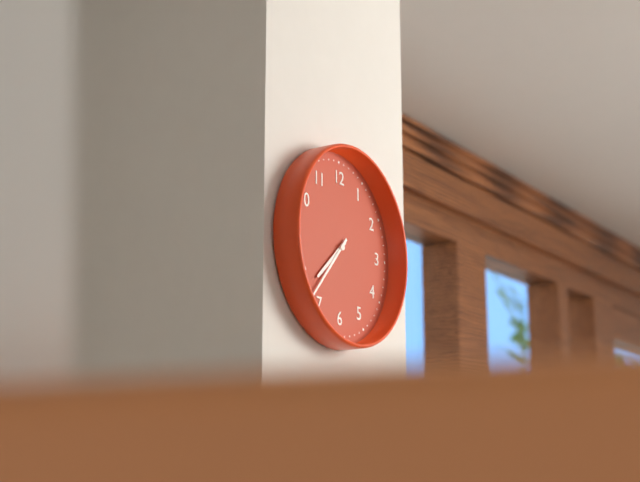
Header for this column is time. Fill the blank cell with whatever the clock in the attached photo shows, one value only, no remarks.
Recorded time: 7:37
